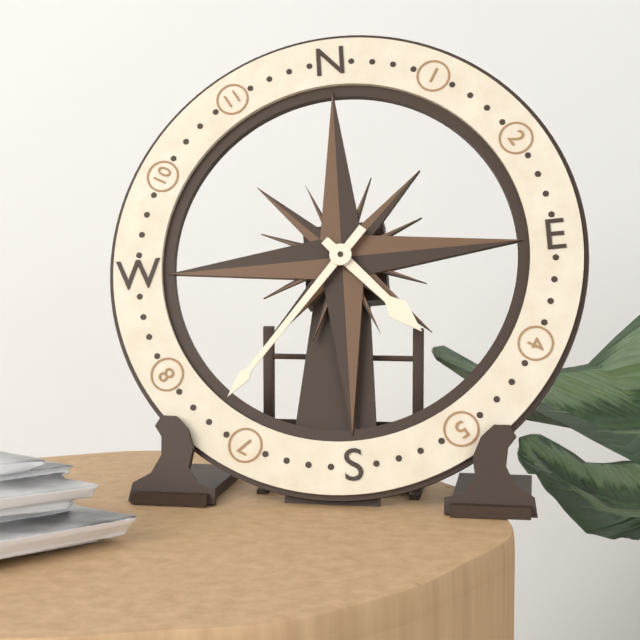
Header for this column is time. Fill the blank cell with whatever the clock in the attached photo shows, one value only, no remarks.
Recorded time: 4:37
